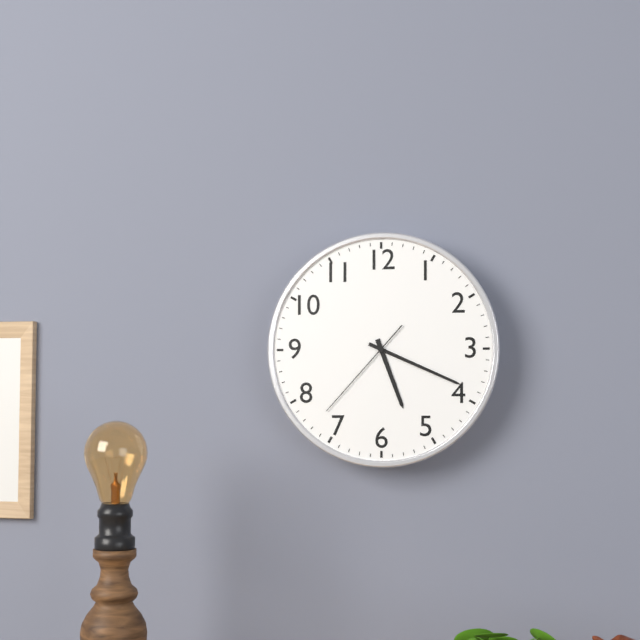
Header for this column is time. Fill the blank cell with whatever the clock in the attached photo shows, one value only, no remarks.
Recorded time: 5:19:37
